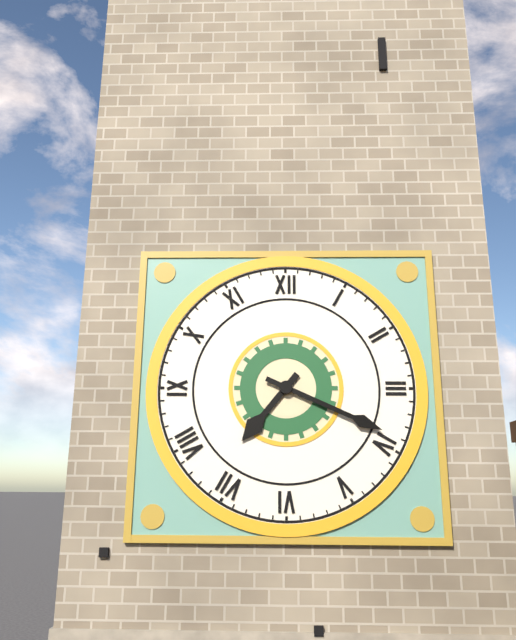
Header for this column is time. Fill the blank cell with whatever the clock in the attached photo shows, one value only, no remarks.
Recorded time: 7:19
